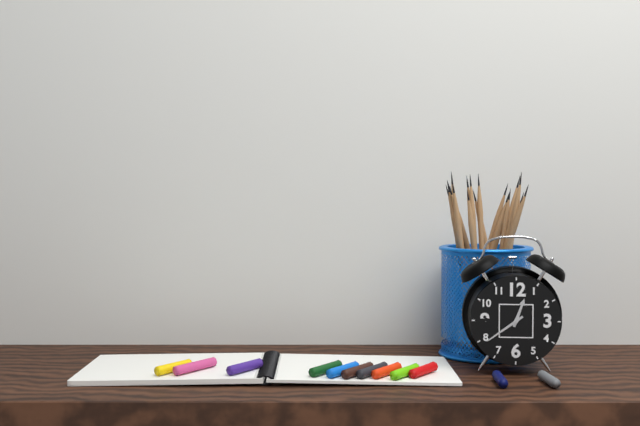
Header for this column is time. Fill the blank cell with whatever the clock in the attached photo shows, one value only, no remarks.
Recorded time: 12:39
